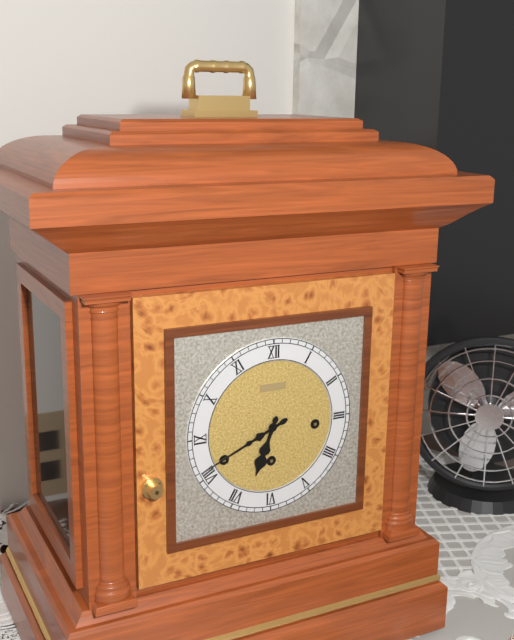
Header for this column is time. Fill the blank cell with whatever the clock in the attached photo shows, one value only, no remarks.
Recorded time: 6:41
